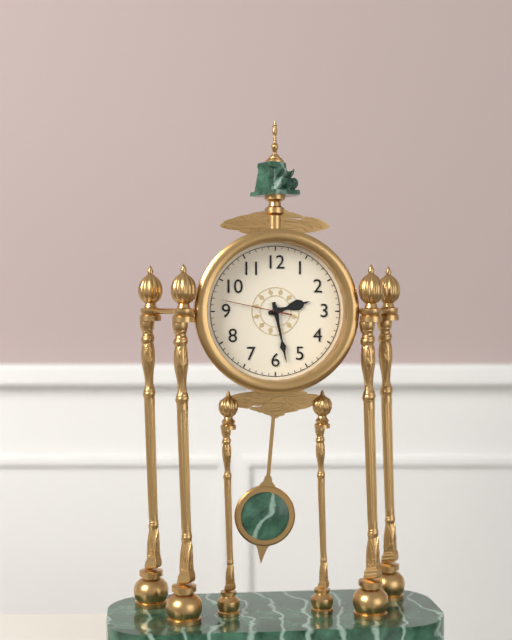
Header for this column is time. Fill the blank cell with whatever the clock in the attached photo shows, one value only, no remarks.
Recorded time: 2:28:47
